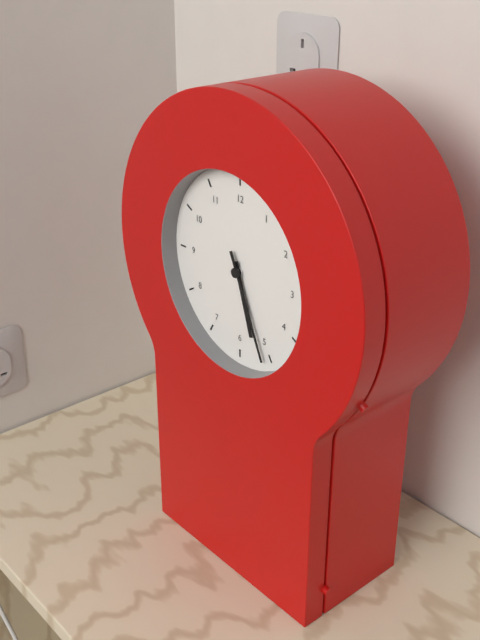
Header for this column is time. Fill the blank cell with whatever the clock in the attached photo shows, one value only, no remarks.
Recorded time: 5:26
